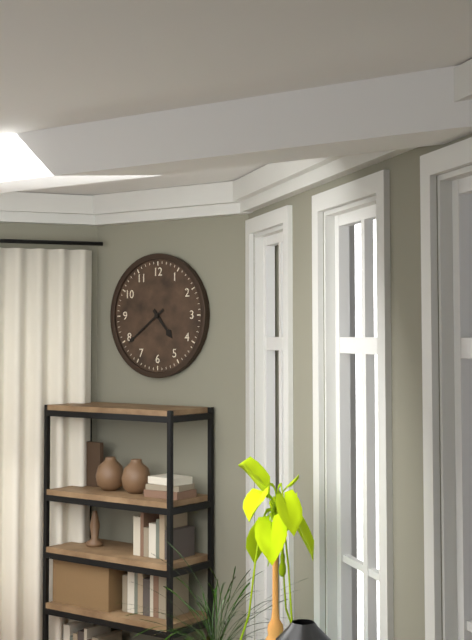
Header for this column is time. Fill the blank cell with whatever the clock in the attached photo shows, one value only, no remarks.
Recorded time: 4:39
